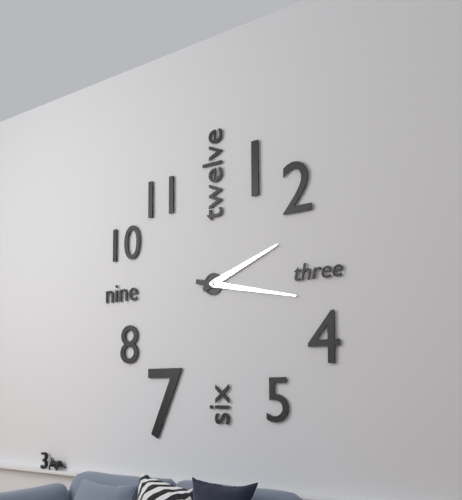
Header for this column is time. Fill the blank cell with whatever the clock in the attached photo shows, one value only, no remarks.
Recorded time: 2:17
